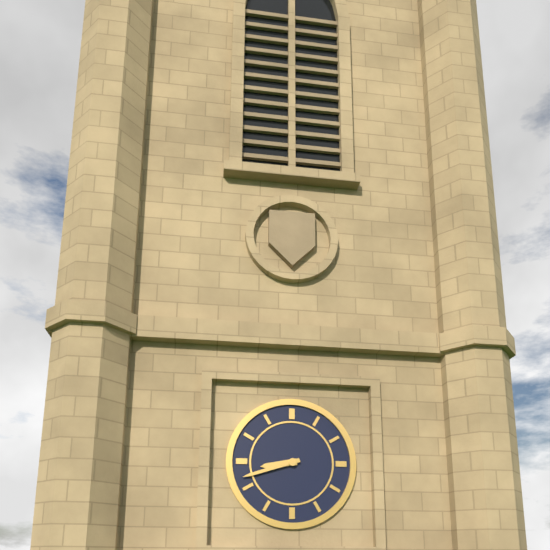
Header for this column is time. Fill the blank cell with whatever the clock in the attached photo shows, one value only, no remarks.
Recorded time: 8:42
